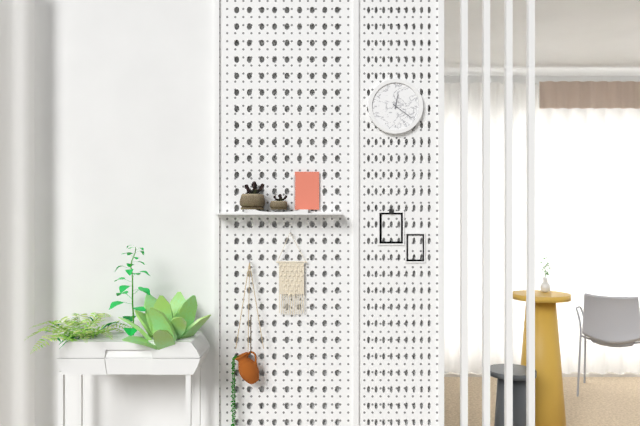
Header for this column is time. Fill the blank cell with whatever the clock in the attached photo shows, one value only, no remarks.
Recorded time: 12:21
